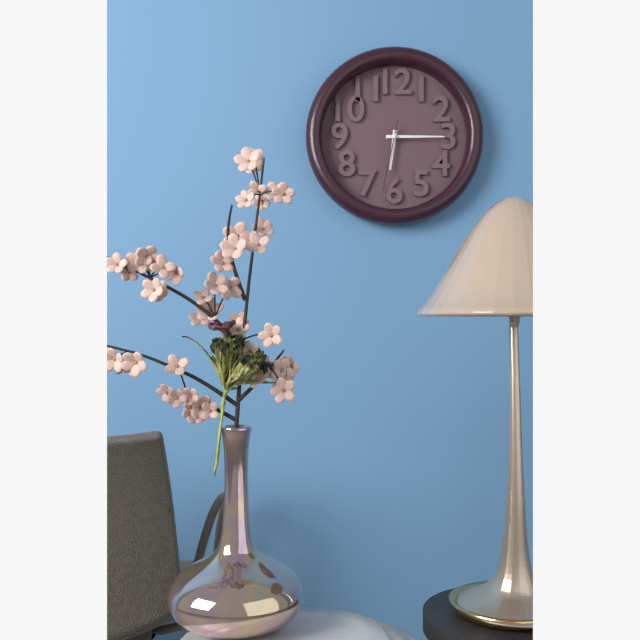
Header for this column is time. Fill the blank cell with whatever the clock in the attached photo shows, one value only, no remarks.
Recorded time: 6:15:32
